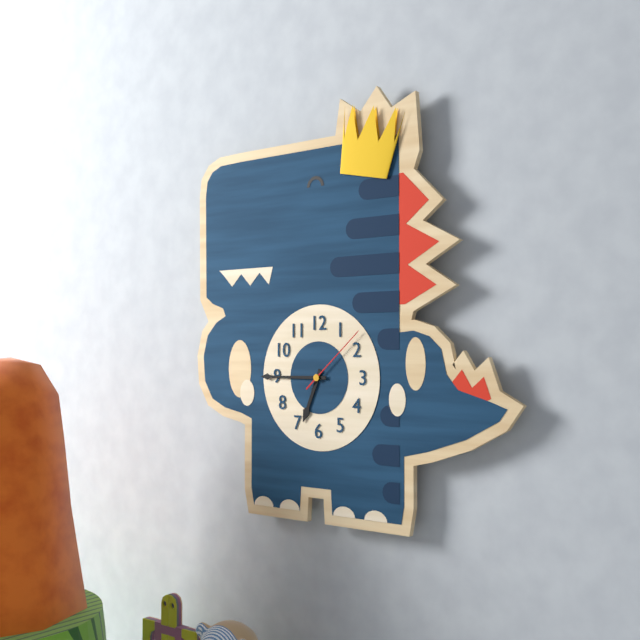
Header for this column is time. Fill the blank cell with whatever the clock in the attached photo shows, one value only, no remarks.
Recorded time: 6:45:08
